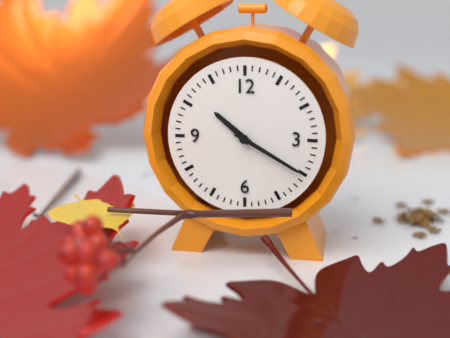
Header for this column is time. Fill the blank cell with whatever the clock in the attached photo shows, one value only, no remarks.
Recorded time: 10:20
